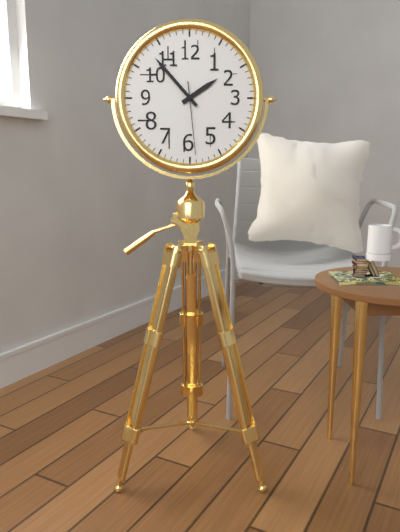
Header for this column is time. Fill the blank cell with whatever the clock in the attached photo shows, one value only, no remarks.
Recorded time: 1:53:29
